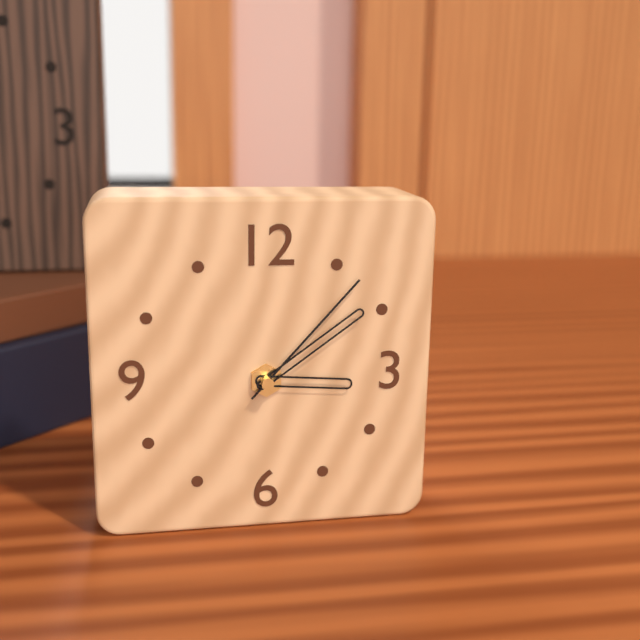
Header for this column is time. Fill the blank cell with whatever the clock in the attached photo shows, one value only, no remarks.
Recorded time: 3:09:07
